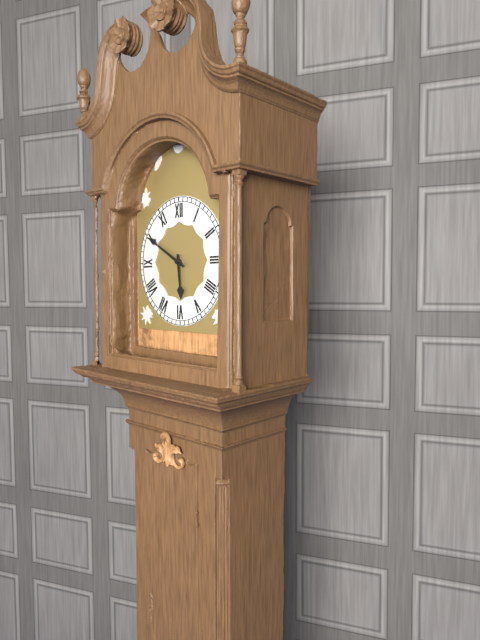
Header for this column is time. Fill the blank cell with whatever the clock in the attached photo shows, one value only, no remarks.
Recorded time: 5:50
